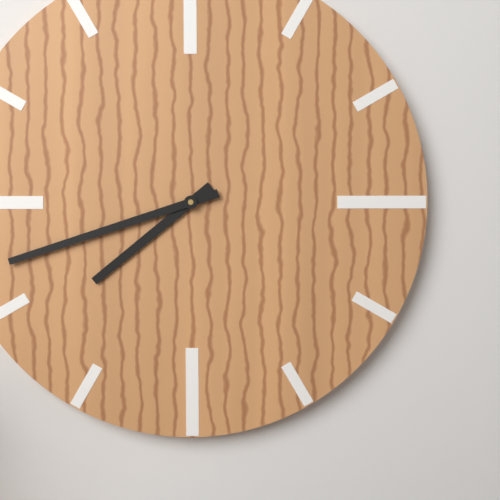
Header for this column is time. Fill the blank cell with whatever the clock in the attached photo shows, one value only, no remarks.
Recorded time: 7:42
